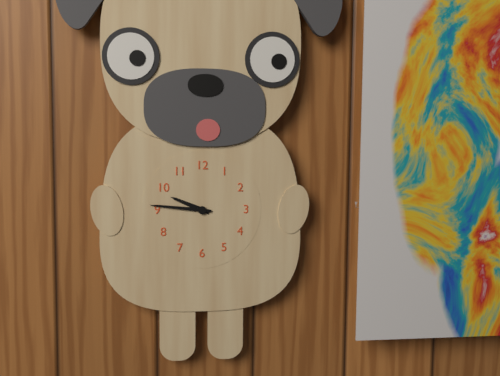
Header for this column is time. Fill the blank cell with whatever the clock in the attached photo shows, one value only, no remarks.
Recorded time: 9:46
